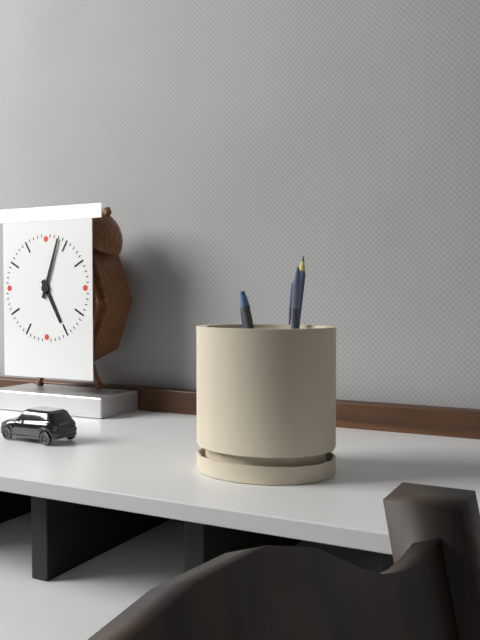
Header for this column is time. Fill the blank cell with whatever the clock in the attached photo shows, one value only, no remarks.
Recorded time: 5:03
